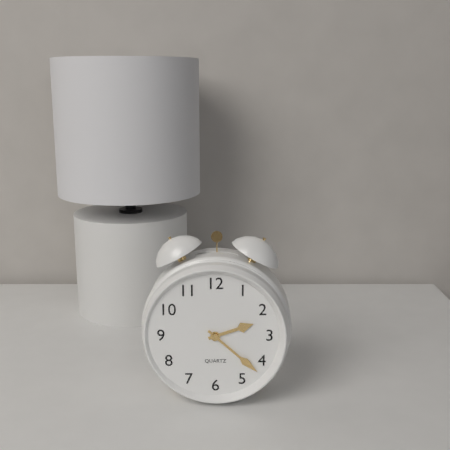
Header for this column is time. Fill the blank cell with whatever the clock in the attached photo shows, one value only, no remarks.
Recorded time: 2:22
